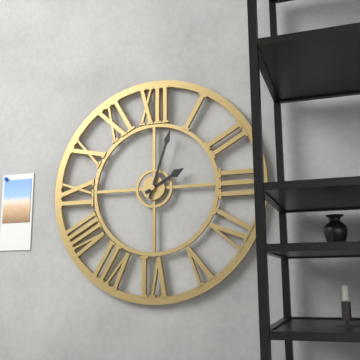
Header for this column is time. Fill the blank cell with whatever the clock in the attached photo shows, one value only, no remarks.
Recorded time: 2:03
